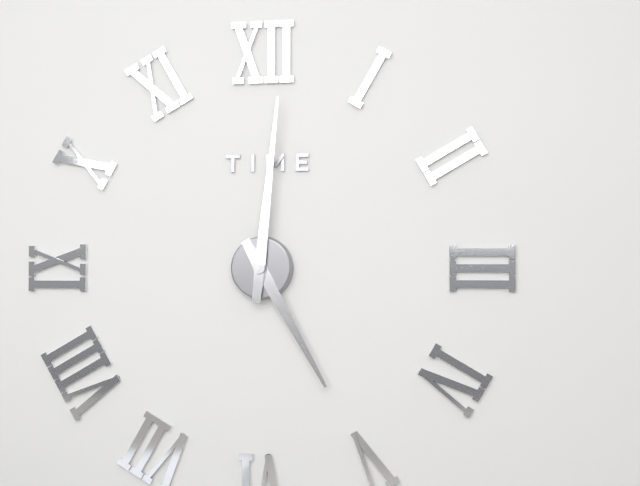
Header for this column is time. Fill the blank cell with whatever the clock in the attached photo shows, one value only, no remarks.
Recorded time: 5:01
